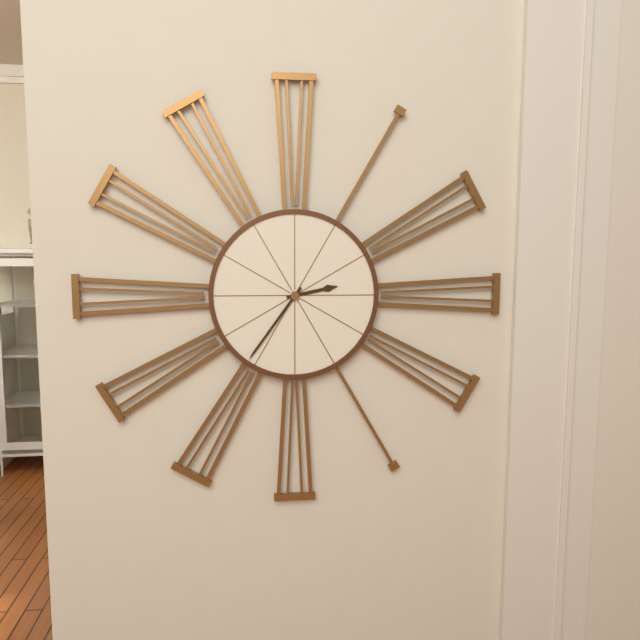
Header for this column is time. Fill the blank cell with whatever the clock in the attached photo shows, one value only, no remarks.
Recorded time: 2:36
